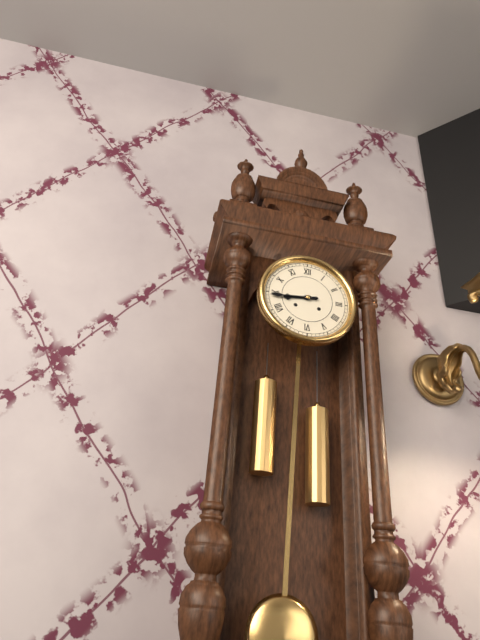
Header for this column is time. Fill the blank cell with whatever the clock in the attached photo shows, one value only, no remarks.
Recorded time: 8:44
